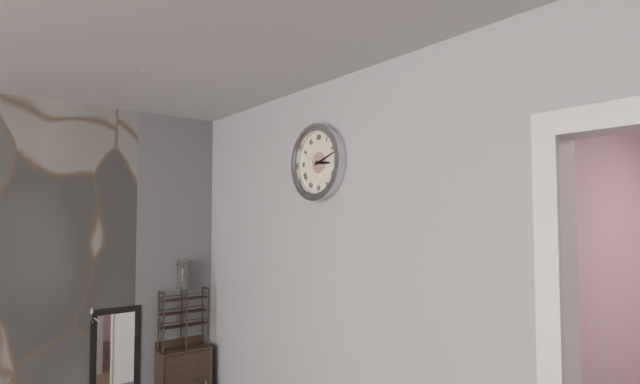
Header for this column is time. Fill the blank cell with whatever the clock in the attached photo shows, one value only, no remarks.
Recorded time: 3:12
